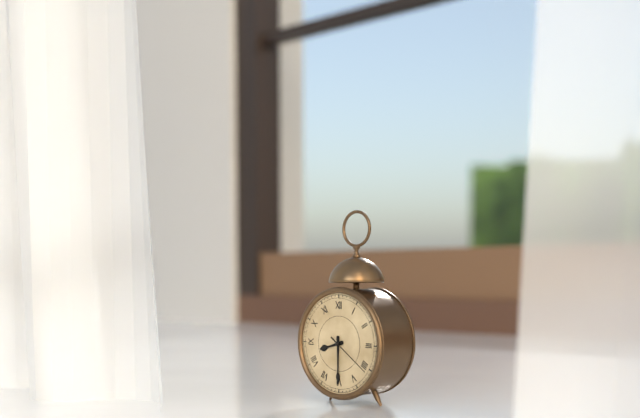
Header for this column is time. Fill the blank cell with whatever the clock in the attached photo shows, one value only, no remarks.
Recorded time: 8:30
